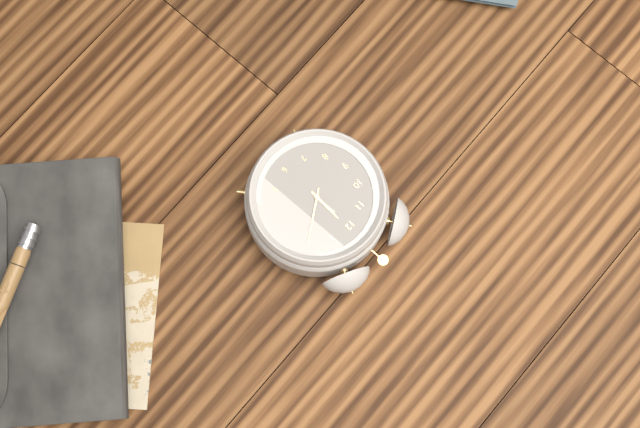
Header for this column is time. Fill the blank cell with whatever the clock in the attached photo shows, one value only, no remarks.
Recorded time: 12:10
